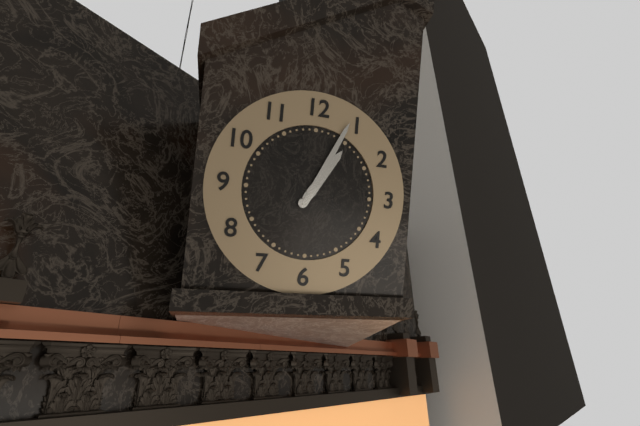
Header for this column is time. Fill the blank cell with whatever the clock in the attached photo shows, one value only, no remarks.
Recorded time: 1:04
